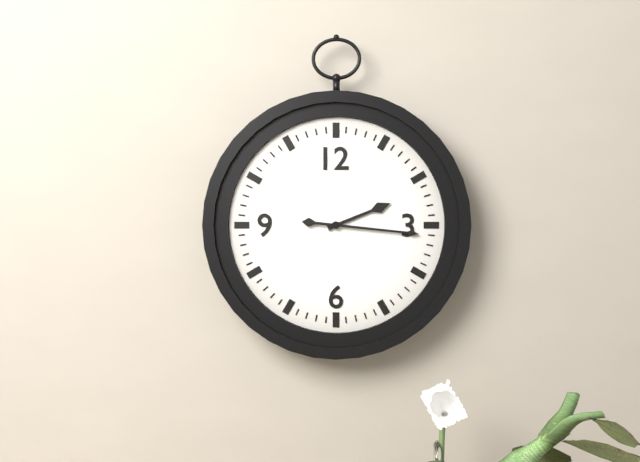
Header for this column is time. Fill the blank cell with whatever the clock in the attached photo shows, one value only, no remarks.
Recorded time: 2:16
